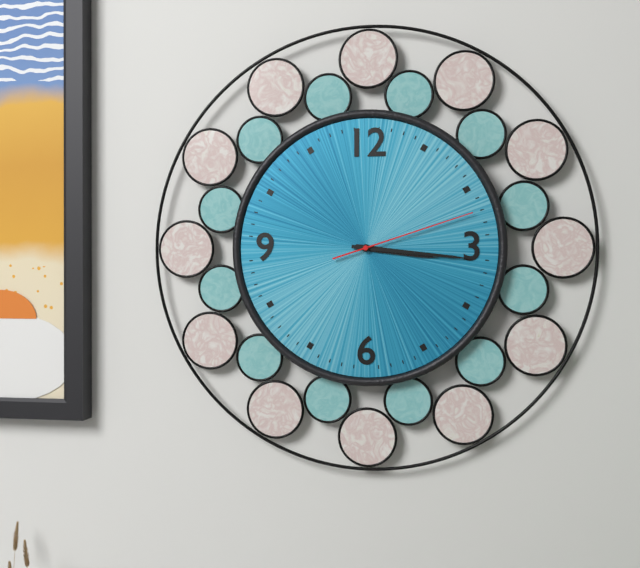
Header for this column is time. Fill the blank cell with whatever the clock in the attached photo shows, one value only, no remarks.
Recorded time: 3:16:12
